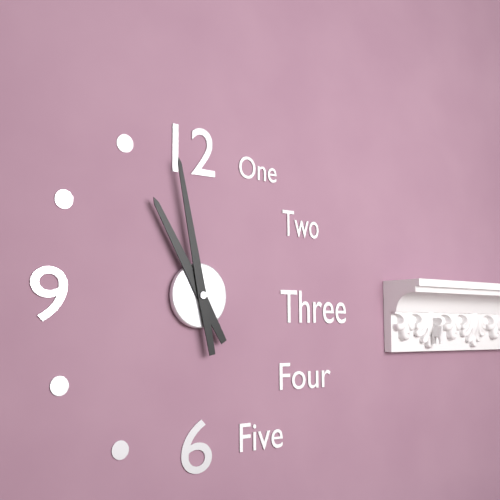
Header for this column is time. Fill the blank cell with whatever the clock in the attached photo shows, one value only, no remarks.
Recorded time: 10:58
